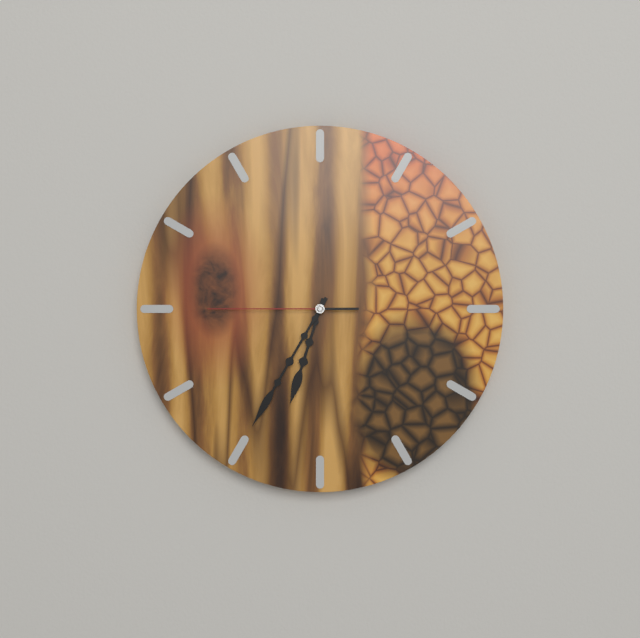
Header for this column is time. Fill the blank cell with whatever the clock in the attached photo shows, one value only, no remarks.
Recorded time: 6:35:45
